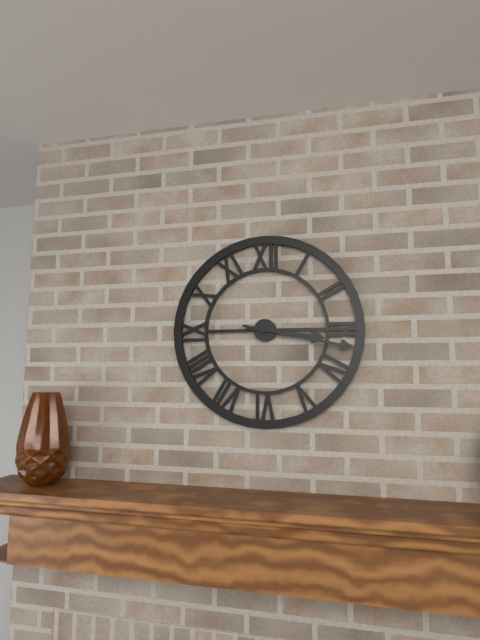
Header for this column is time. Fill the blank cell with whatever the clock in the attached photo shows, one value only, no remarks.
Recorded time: 3:17
